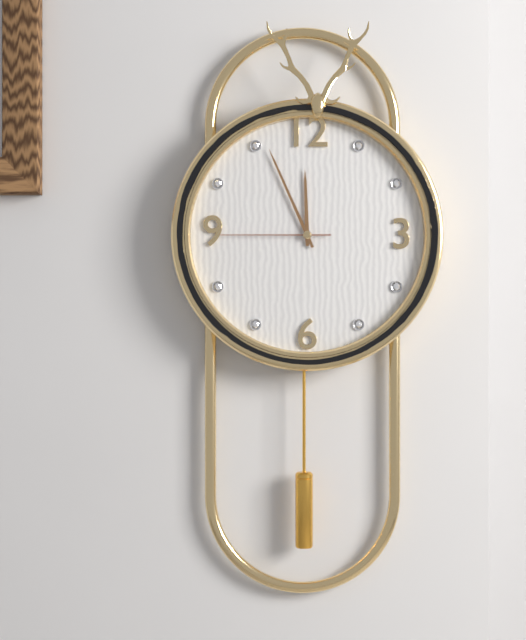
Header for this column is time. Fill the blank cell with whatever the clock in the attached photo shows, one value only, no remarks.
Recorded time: 11:56:45
